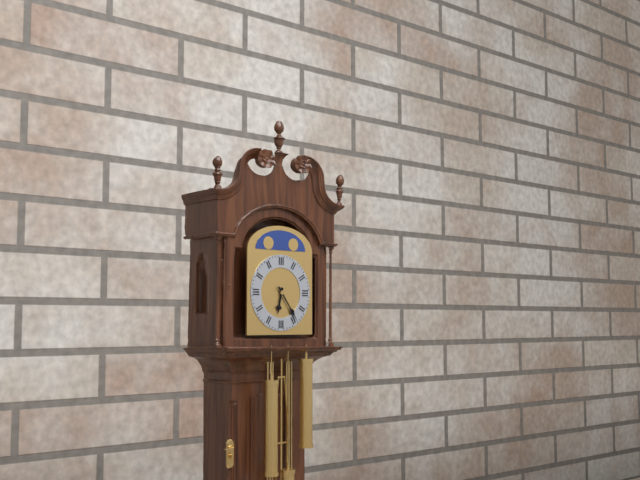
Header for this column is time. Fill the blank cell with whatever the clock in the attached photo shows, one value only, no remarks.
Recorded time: 6:24
